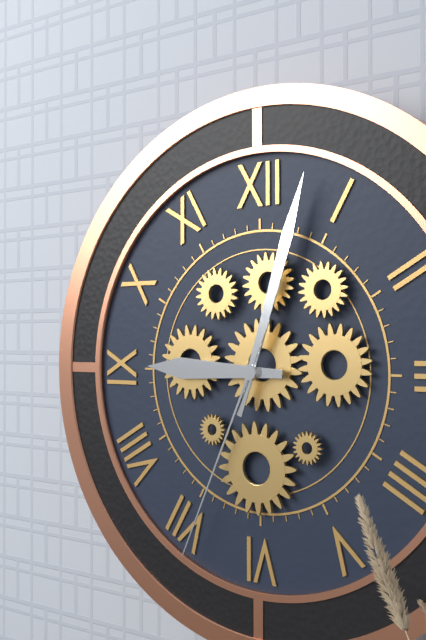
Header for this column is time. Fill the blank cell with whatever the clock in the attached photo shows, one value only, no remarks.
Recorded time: 9:03:34
